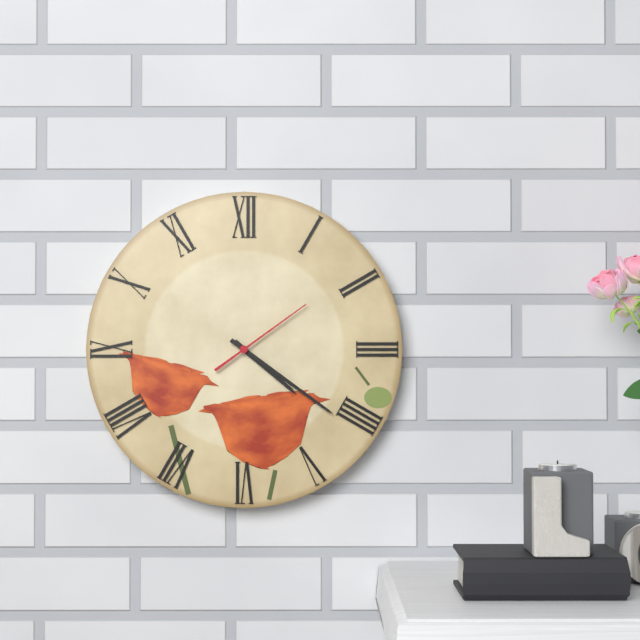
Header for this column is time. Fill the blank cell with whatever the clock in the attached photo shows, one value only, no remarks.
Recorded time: 4:21:09
